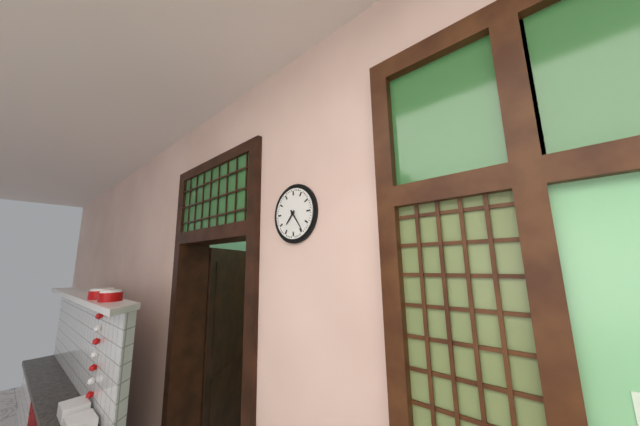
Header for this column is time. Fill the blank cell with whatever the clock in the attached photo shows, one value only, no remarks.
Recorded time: 7:24
